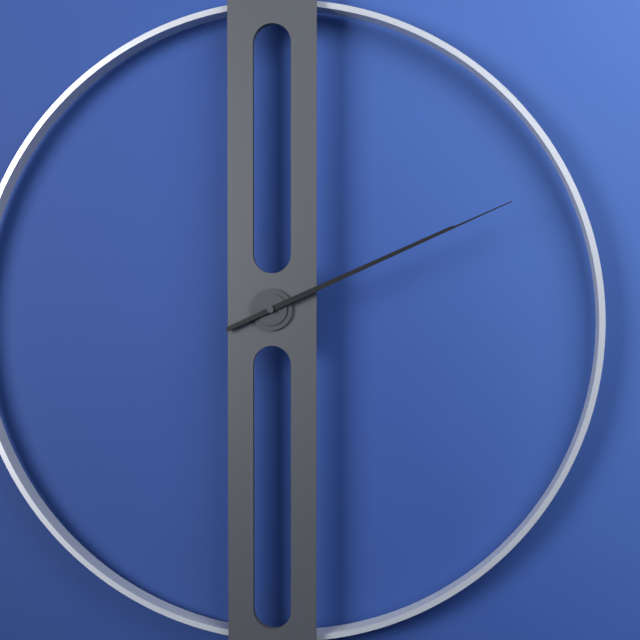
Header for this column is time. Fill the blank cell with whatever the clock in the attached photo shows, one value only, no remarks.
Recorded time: 2:11
